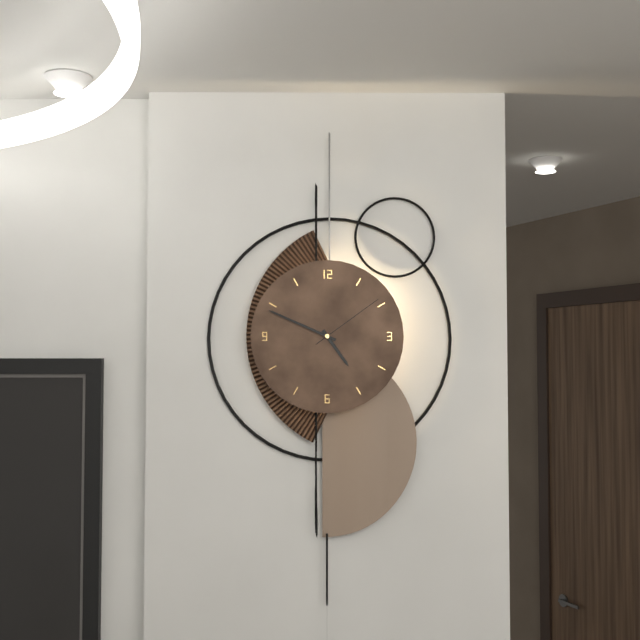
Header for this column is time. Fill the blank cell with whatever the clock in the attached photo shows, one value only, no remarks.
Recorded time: 4:49:09
